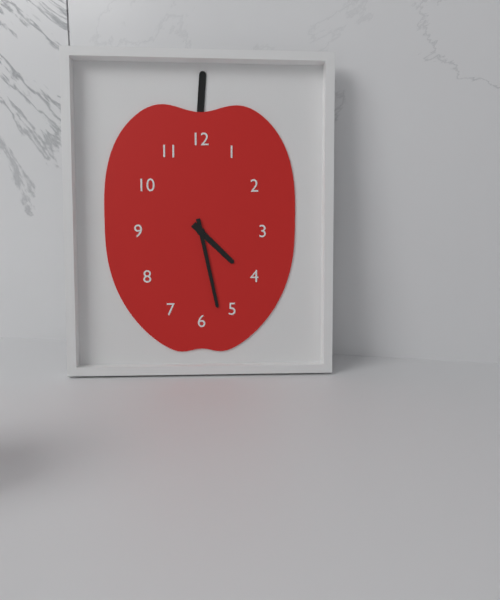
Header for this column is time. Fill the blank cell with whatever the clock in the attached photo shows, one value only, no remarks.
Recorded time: 4:28
